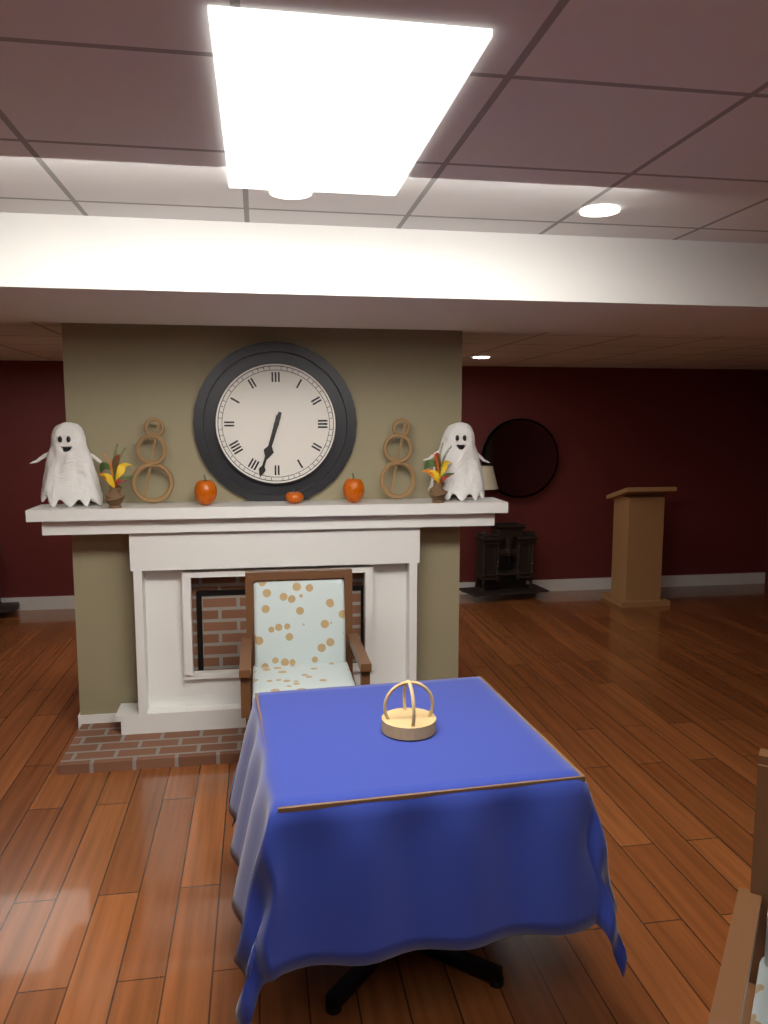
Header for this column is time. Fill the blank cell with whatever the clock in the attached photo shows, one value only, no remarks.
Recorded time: 6:33
